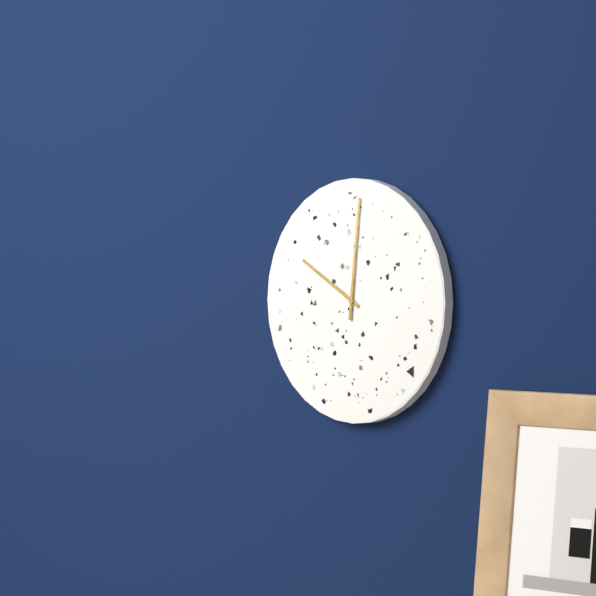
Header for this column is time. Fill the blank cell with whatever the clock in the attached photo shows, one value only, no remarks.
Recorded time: 10:01
